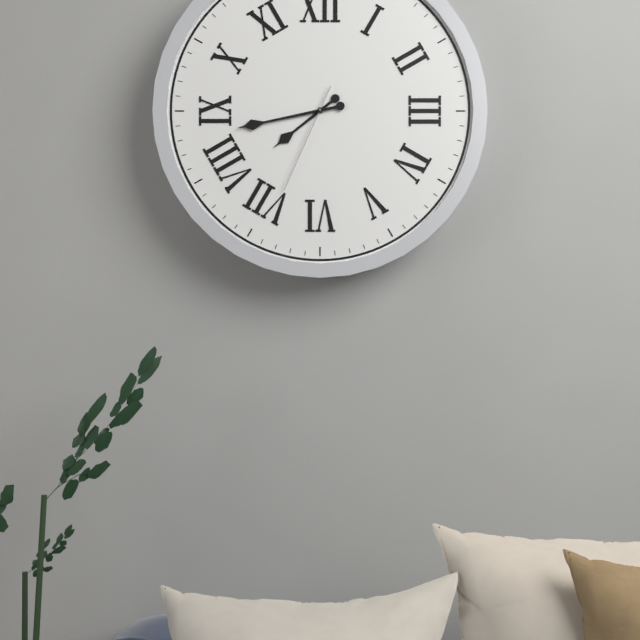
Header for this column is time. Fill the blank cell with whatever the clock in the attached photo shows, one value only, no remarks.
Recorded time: 7:43:34
